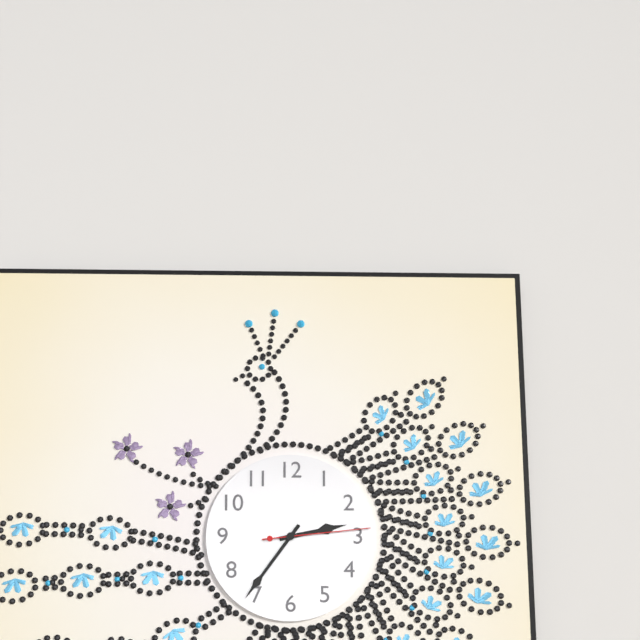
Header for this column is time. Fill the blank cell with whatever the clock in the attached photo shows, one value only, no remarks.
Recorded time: 2:36:14
